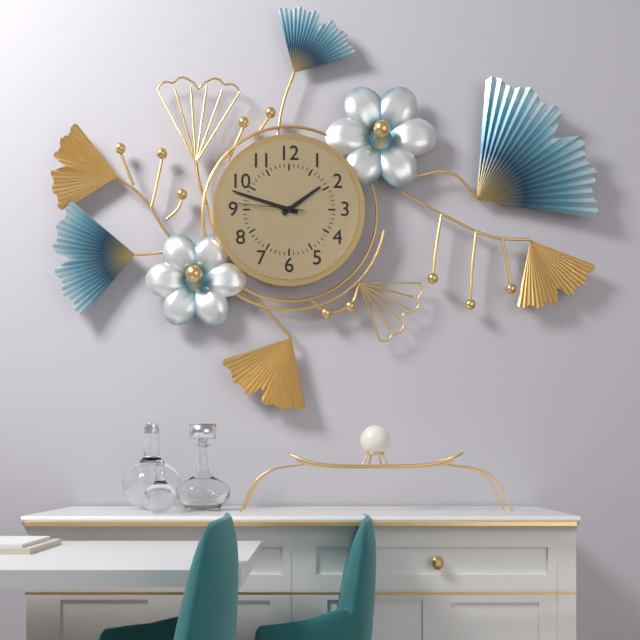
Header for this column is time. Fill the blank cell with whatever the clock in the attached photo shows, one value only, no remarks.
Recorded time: 1:48:46
